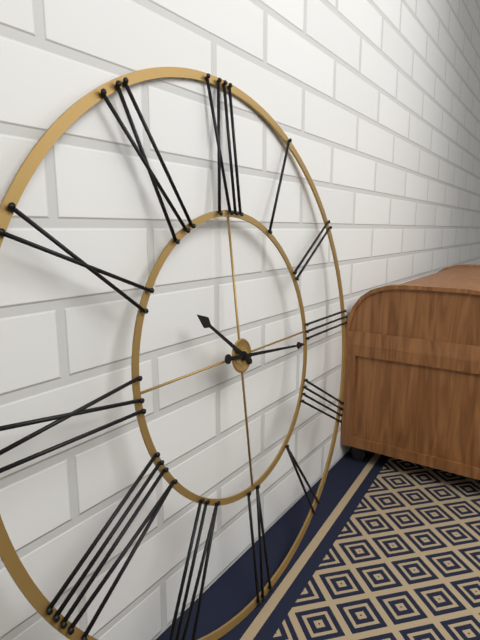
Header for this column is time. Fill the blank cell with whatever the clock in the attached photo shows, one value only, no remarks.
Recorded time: 10:16
